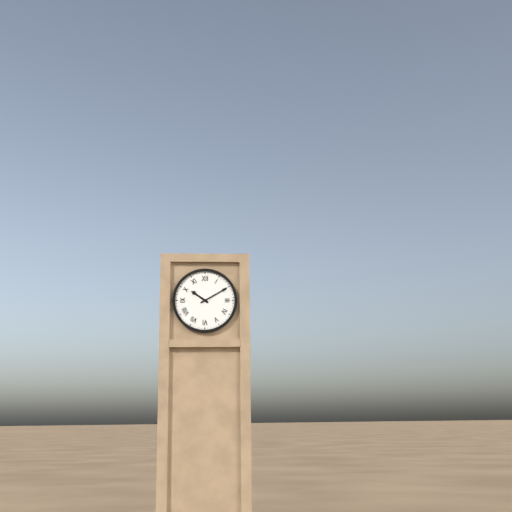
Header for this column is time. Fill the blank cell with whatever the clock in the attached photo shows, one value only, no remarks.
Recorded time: 10:10
